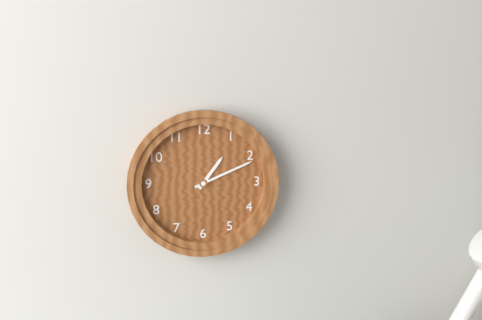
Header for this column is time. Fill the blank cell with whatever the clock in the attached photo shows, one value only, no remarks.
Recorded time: 1:11
